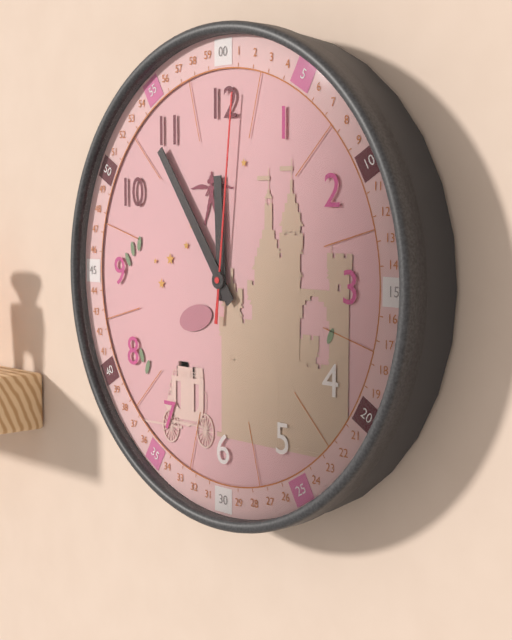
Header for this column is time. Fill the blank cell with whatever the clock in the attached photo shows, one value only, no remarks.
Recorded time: 11:54:01
